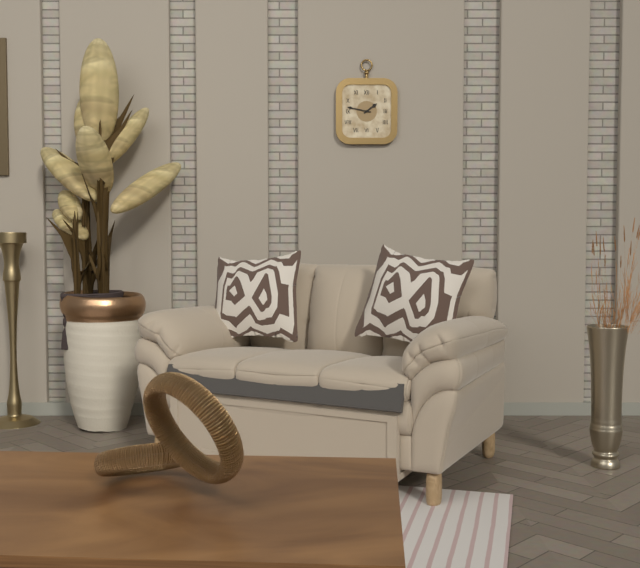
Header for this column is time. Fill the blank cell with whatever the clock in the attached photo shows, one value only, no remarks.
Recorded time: 1:47
